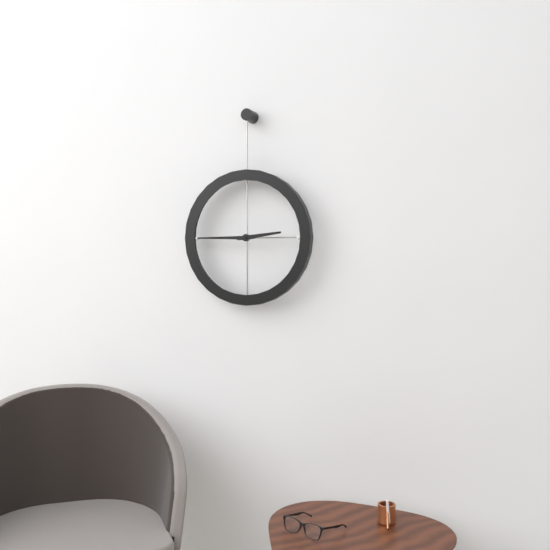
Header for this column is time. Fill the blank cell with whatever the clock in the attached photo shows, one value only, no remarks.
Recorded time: 2:45
